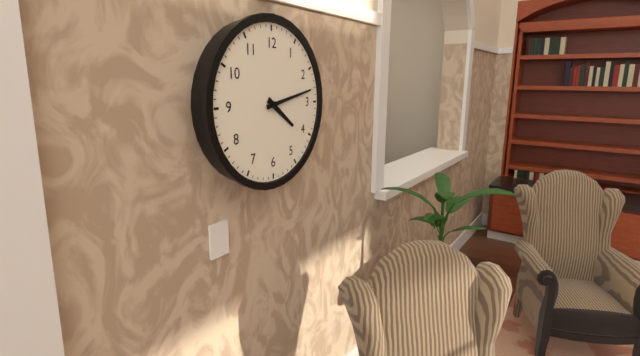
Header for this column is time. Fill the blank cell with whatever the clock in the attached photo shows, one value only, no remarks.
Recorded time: 4:13
